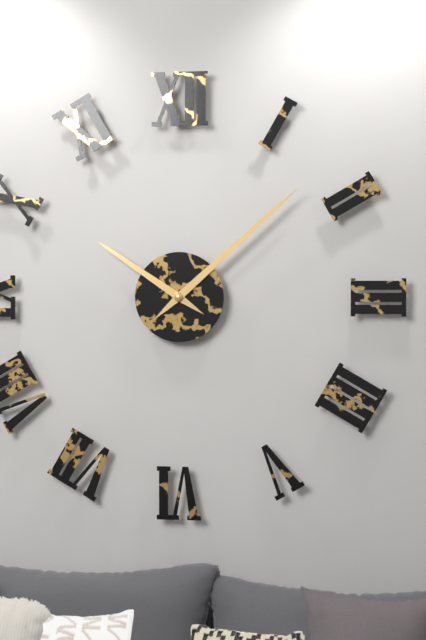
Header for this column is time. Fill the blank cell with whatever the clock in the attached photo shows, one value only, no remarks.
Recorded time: 10:08
